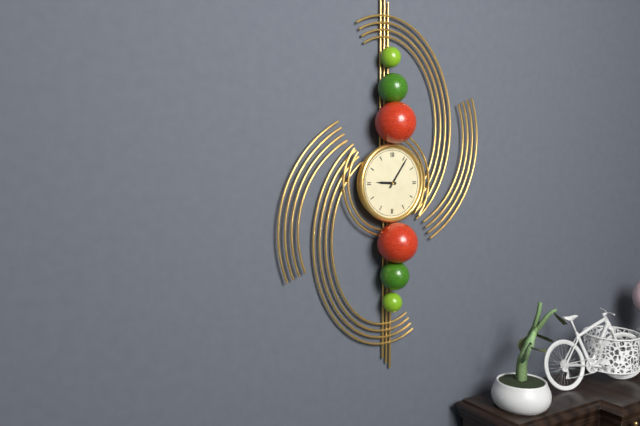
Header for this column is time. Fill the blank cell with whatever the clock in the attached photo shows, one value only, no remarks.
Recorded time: 9:06
